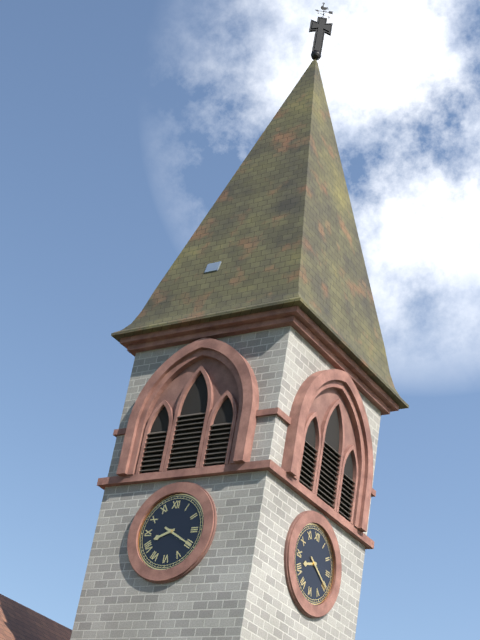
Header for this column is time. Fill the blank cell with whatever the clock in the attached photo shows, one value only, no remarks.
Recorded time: 8:20
